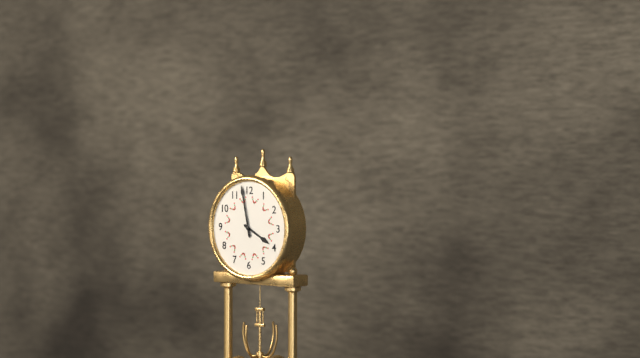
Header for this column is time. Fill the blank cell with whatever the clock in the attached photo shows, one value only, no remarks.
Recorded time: 3:58
